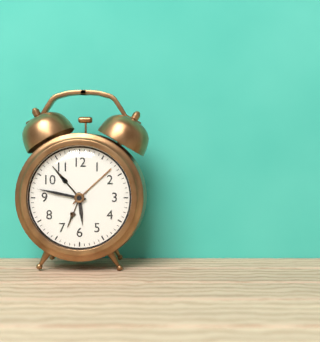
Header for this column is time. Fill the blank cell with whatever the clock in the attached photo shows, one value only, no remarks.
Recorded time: 5:47
